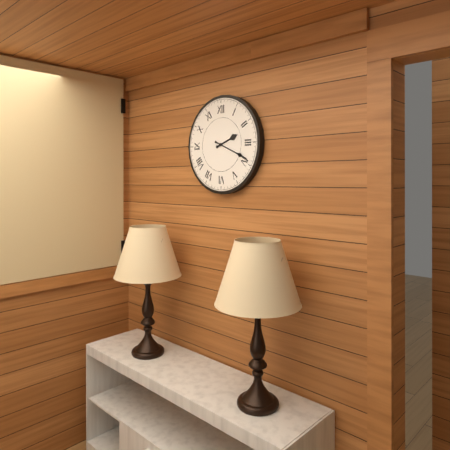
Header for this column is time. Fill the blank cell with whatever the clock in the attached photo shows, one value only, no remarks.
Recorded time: 2:19
